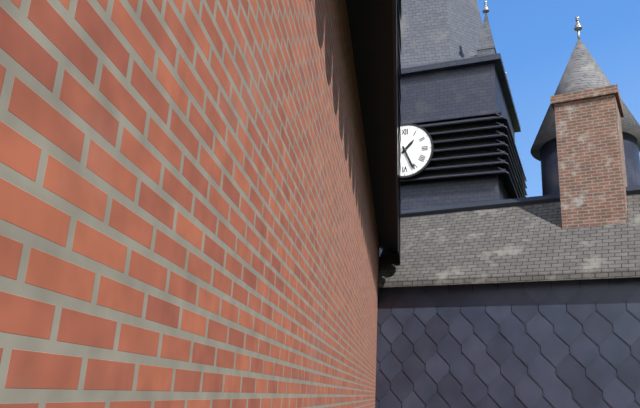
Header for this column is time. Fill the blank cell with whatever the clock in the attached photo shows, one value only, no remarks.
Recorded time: 1:26
